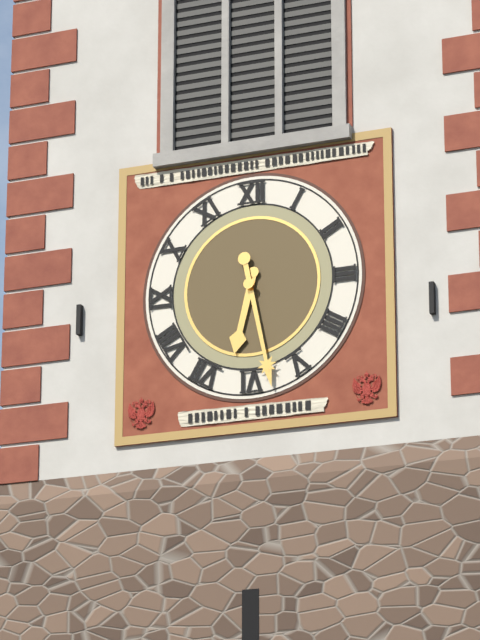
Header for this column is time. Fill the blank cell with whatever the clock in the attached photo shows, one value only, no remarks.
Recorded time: 6:28
